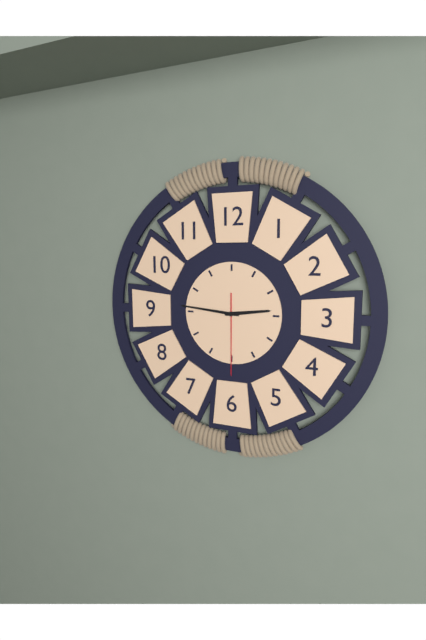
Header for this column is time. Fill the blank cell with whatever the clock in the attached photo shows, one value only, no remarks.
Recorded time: 2:46:30
